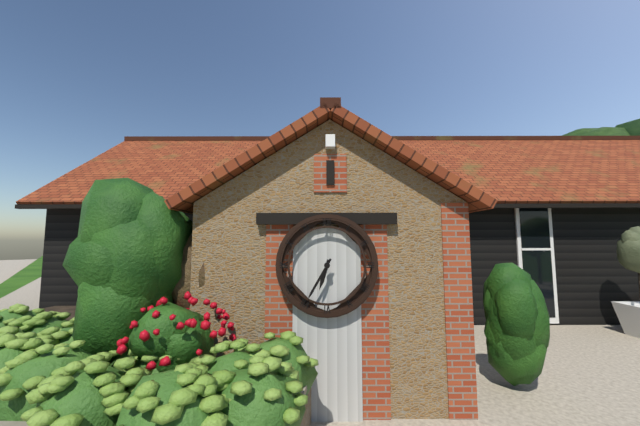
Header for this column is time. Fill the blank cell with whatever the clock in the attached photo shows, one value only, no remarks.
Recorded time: 6:35
